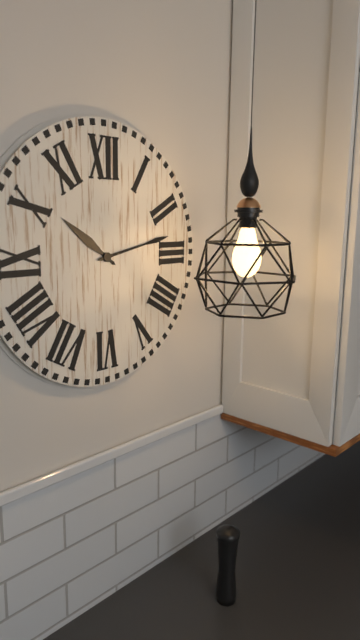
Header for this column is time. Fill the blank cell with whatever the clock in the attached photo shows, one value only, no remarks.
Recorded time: 10:13
